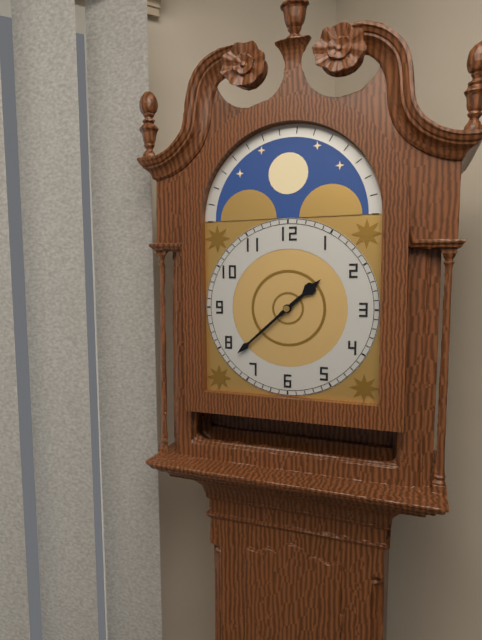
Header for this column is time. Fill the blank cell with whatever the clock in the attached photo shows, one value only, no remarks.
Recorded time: 1:38
